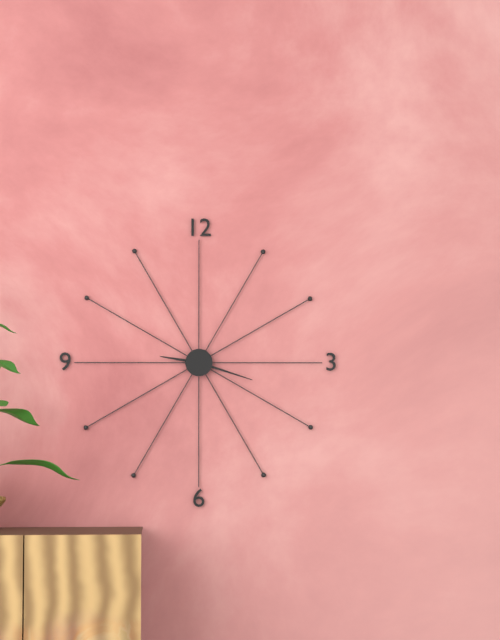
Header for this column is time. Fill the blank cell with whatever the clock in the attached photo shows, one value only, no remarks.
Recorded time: 9:18
